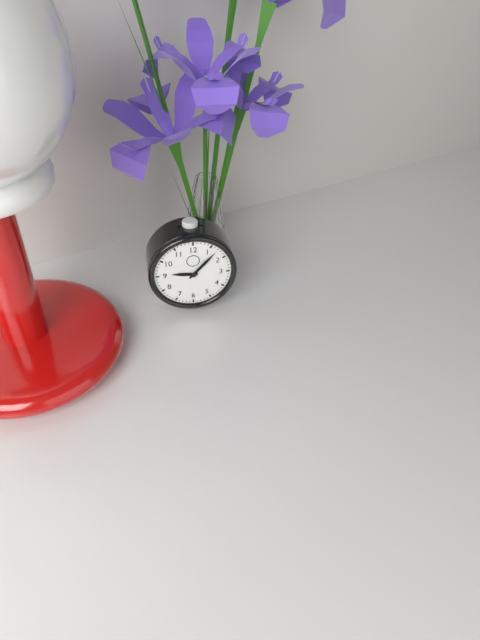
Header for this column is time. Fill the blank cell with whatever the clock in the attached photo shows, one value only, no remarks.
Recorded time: 9:07
